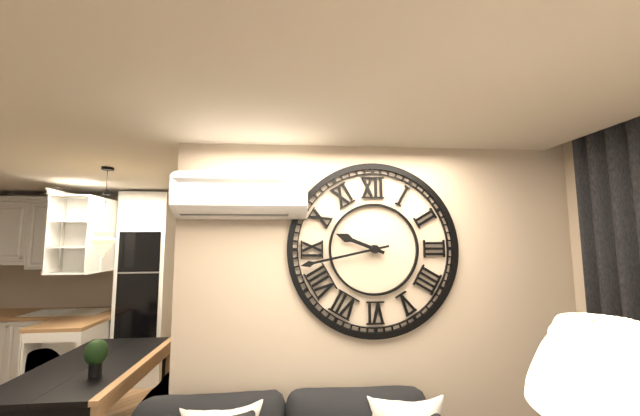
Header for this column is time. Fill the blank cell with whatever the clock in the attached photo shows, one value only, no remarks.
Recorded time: 9:43
